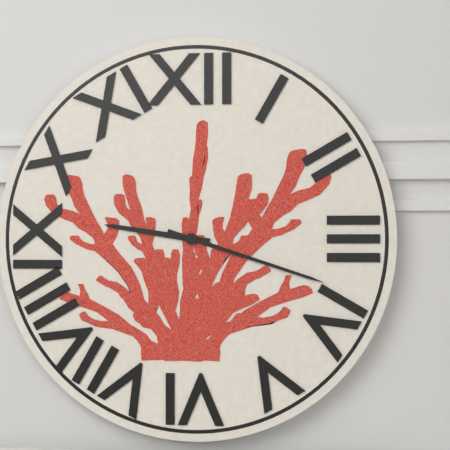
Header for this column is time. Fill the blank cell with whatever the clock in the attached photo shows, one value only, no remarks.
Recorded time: 9:18
